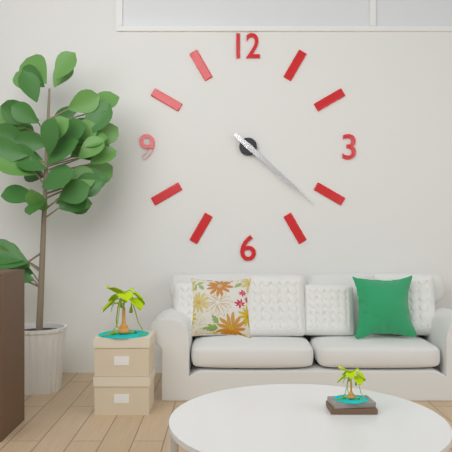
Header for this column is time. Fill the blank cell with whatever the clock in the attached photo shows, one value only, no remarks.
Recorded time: 4:22
